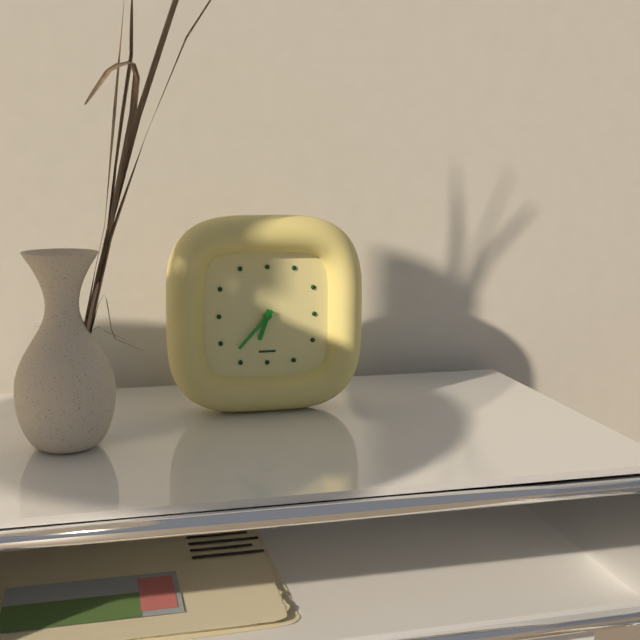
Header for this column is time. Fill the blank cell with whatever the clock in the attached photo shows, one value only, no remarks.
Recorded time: 6:37
